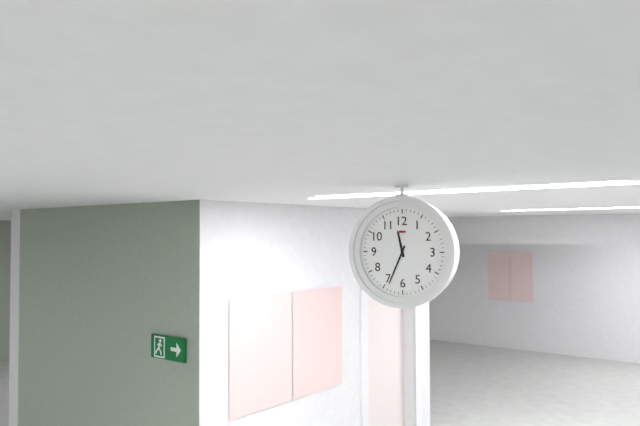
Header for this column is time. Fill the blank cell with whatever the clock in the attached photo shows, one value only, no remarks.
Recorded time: 11:34
